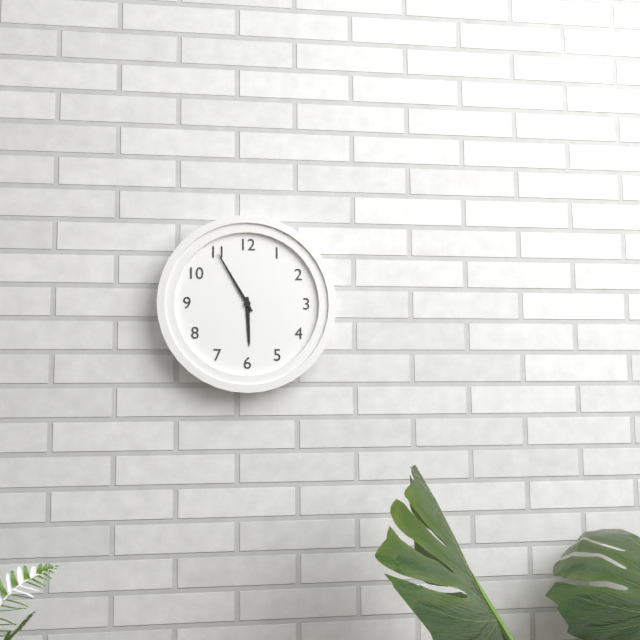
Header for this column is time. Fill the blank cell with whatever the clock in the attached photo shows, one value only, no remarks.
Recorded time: 5:55
